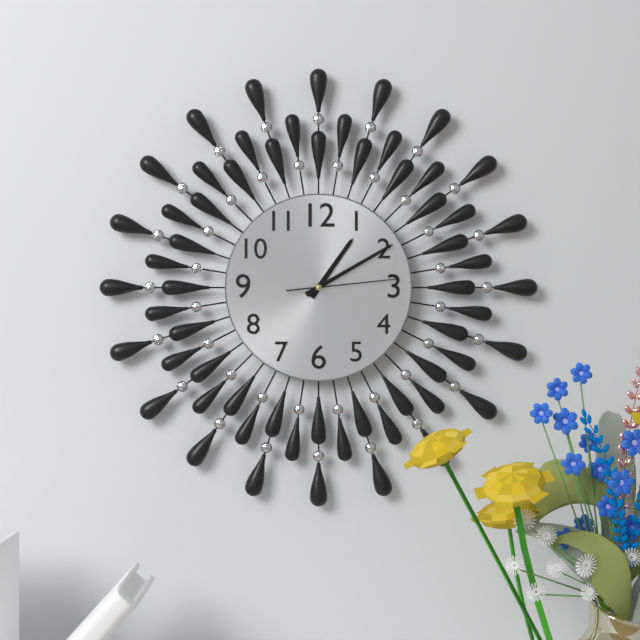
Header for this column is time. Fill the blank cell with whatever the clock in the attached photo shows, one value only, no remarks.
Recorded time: 1:10:14
